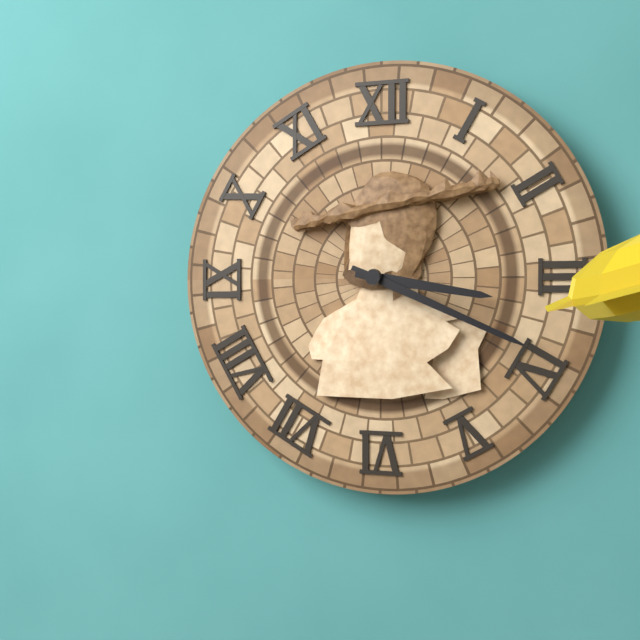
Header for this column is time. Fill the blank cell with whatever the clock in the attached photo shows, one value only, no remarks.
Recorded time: 3:19
